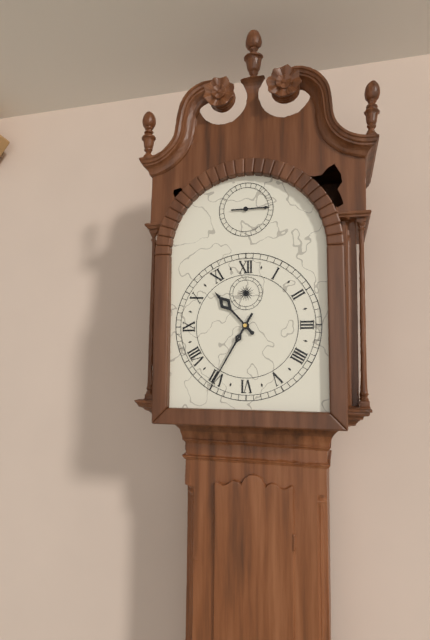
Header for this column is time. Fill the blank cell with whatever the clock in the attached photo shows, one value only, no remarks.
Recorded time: 10:35
